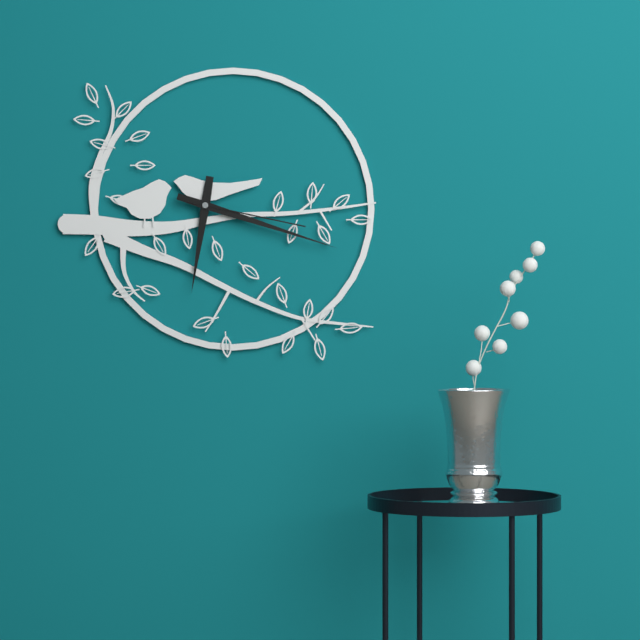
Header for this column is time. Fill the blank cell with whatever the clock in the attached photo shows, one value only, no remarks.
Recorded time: 6:18:17
